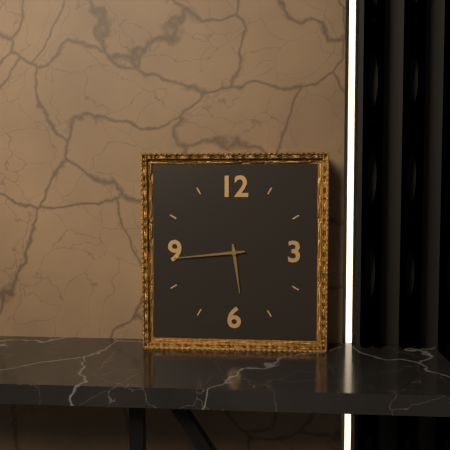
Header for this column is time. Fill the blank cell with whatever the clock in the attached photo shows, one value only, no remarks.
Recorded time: 5:44
